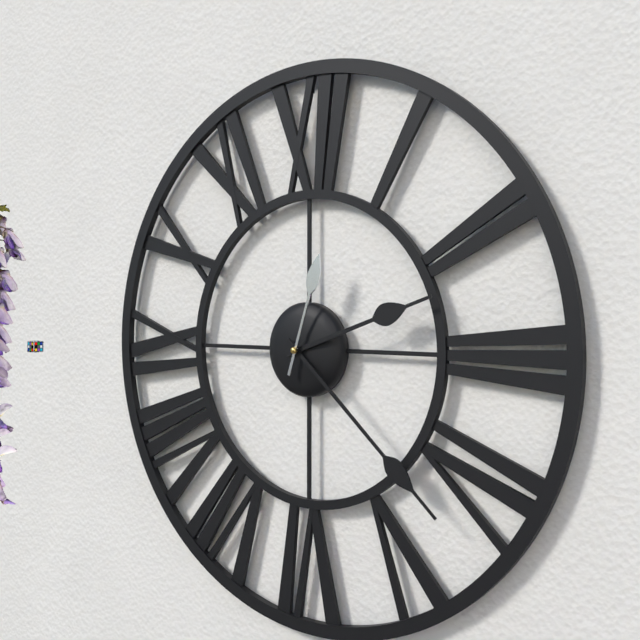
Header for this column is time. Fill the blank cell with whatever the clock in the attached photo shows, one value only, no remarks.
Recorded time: 2:22:03
